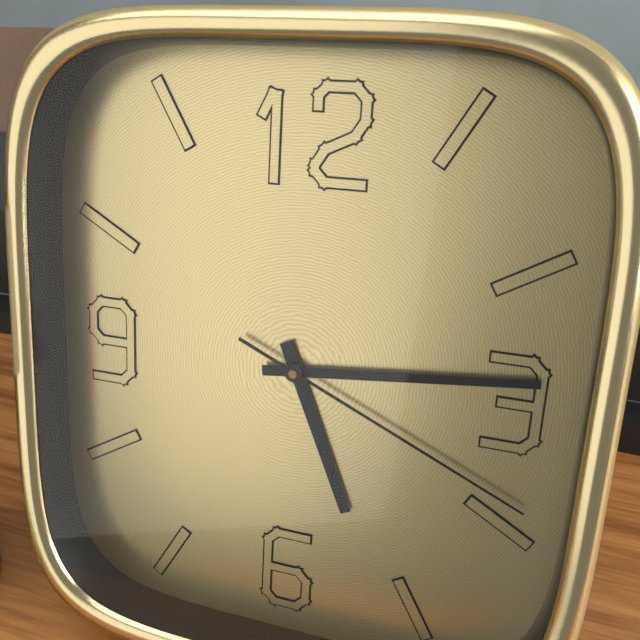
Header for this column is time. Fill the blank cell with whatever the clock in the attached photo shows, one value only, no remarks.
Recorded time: 5:14:19
